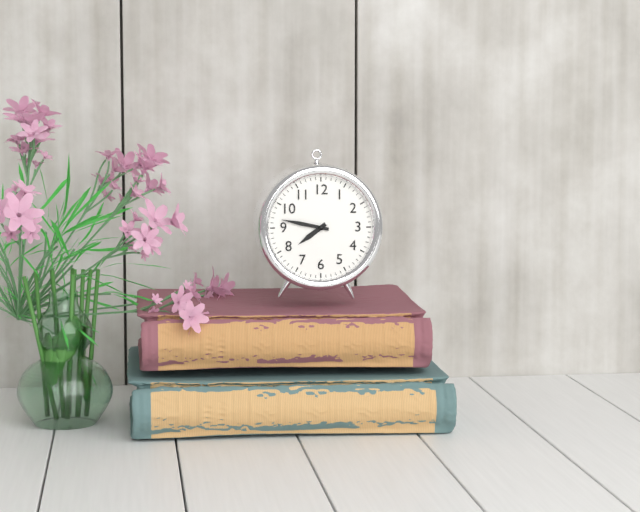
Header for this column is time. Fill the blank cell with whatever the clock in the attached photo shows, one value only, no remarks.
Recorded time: 7:47
